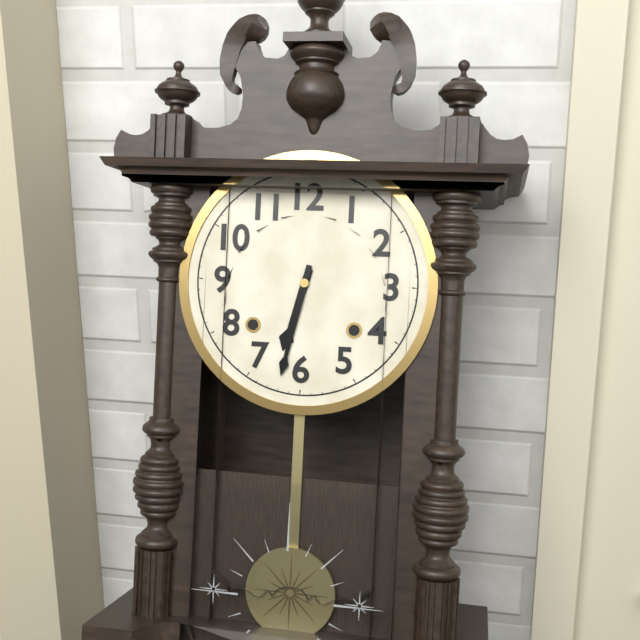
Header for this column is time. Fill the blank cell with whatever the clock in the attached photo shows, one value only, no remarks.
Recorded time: 6:32
